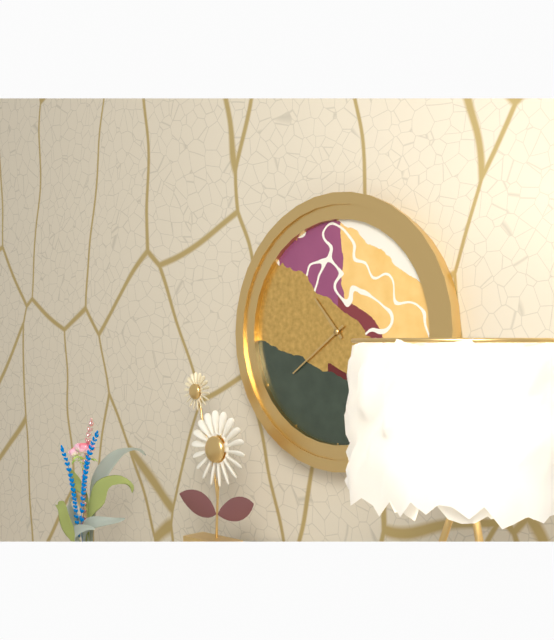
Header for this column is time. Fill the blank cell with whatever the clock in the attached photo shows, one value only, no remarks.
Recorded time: 10:39
